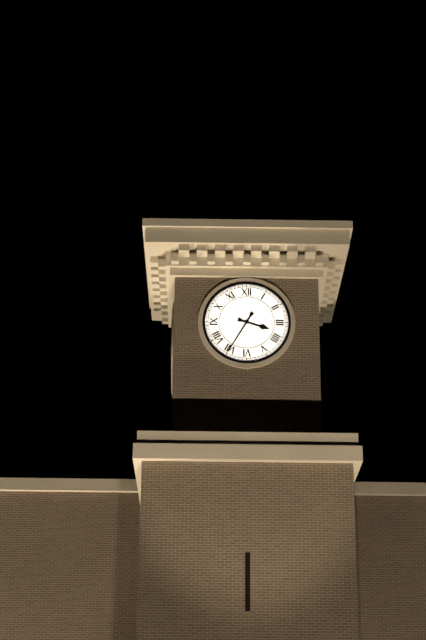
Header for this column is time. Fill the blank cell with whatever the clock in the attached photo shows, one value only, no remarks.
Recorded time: 3:35
